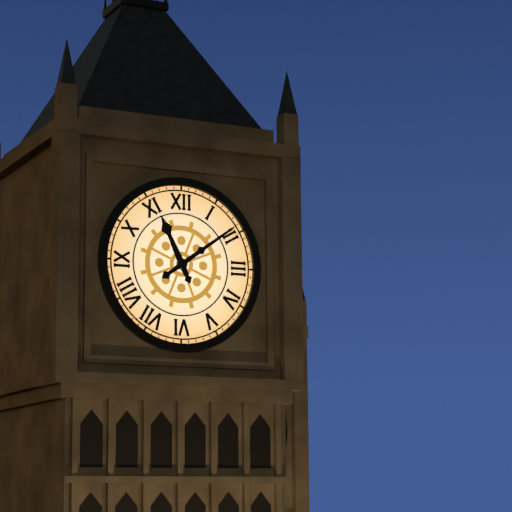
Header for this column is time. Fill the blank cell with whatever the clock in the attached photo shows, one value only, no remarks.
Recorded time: 11:09
